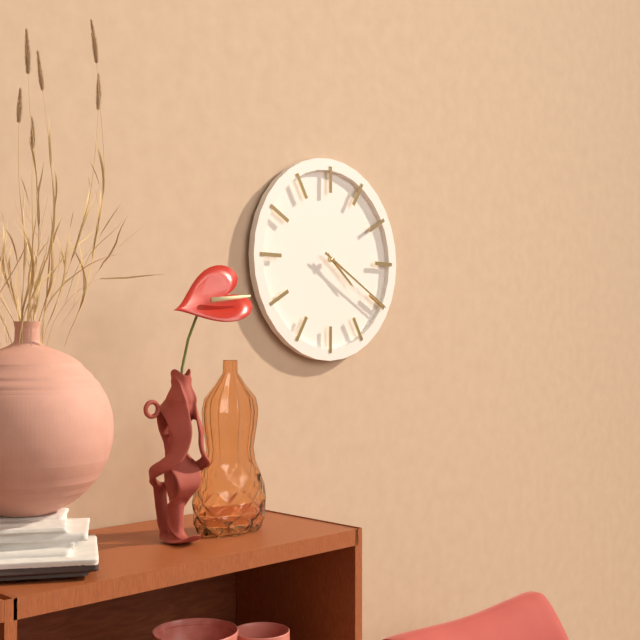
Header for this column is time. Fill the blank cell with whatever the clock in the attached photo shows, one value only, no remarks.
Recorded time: 4:20
